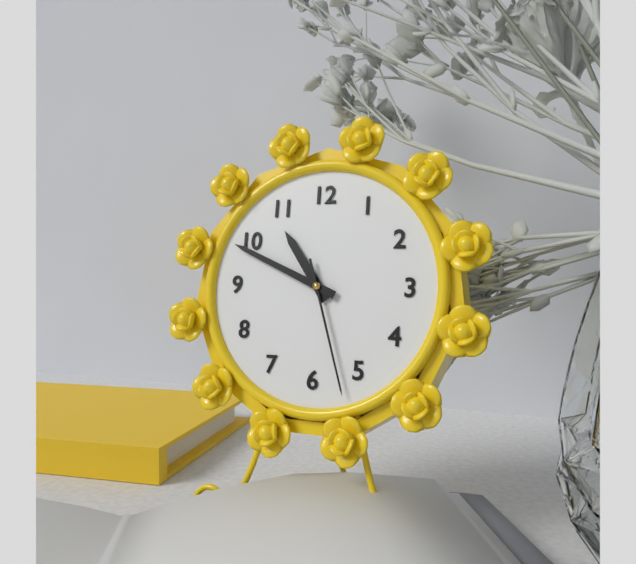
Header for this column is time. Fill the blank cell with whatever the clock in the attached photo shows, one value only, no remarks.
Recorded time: 10:49:27
